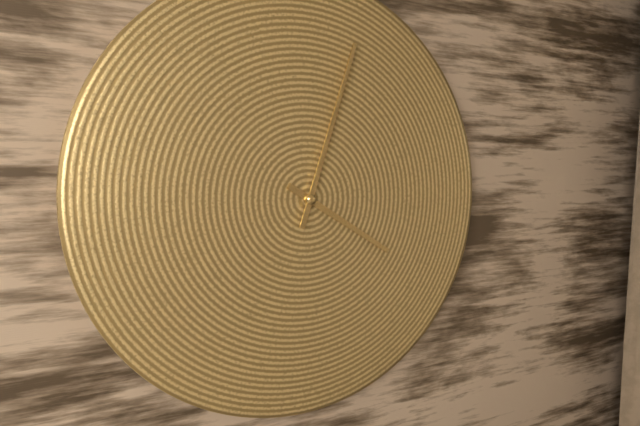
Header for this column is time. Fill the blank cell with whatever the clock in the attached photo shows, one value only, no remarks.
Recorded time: 4:03
